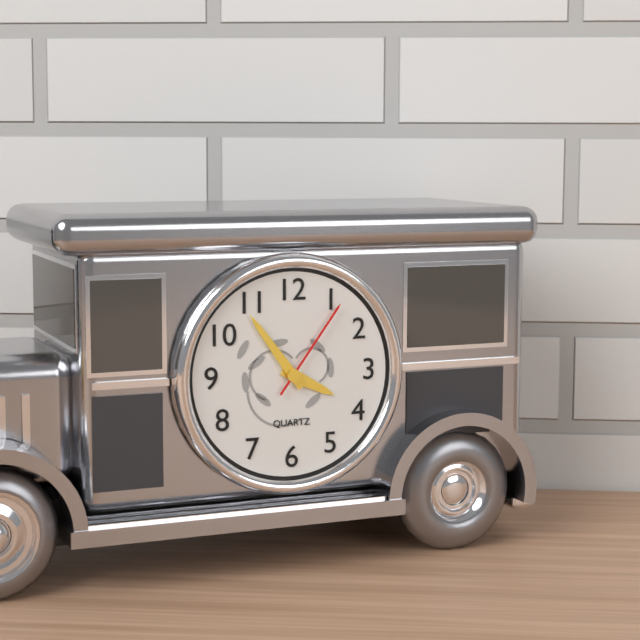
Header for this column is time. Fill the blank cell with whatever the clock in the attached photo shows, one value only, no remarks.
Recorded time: 3:54:06
